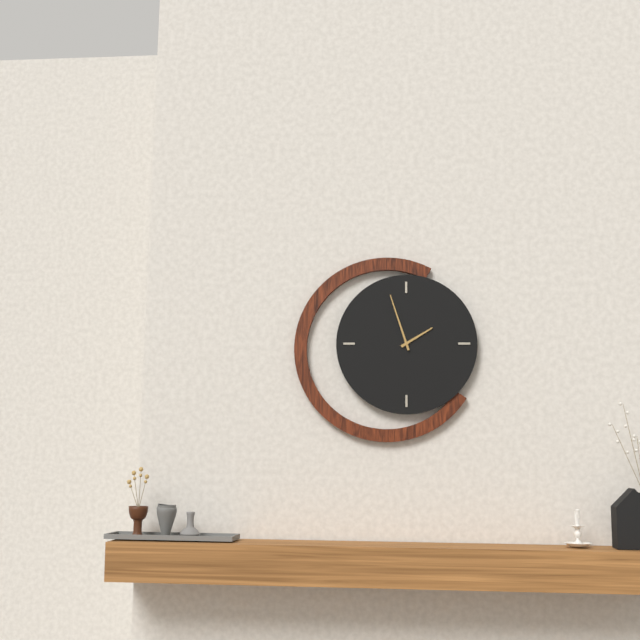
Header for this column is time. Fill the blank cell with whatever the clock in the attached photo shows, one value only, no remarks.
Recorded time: 1:57
